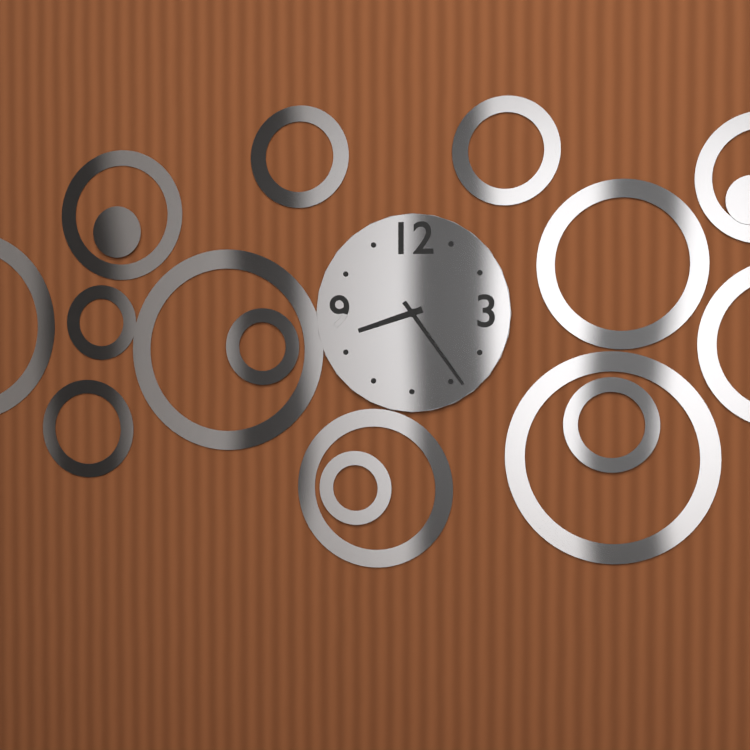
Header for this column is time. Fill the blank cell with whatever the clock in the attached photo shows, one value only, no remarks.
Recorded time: 8:24
